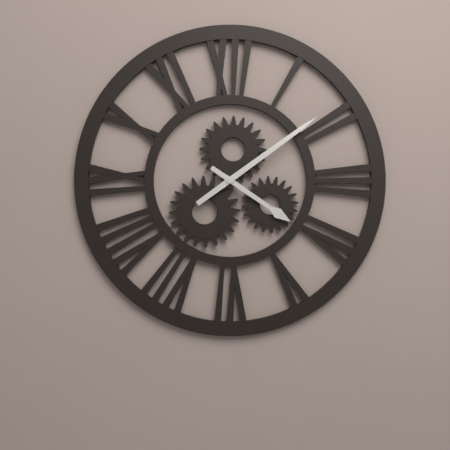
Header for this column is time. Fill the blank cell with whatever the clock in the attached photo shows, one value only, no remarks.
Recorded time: 4:09
